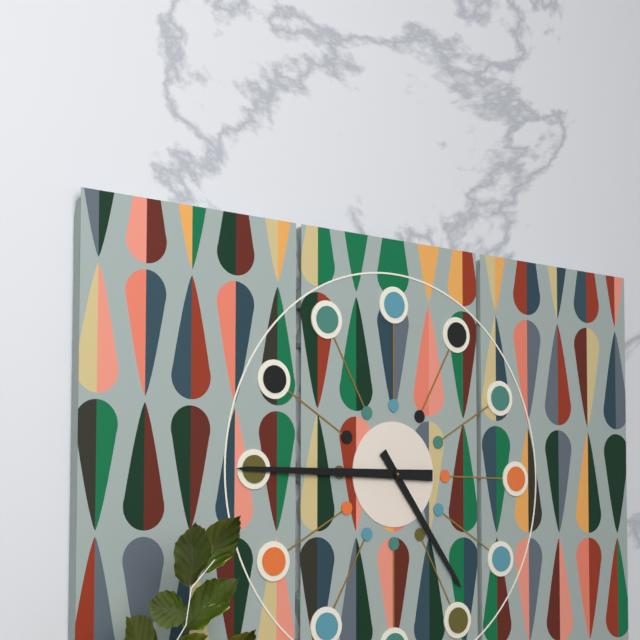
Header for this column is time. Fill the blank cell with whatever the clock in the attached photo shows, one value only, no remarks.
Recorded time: 4:45
